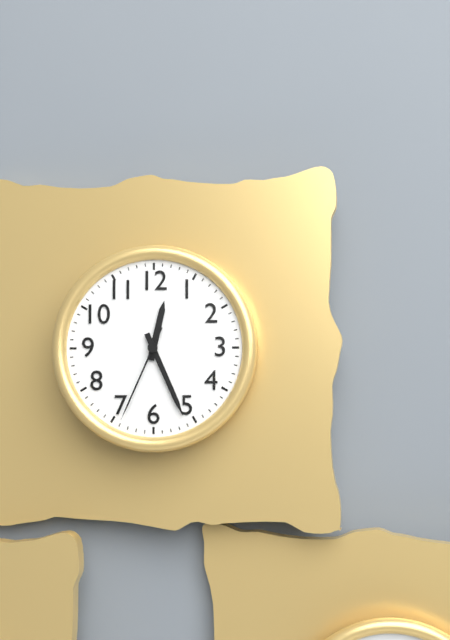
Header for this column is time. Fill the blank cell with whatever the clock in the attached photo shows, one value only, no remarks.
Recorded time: 12:26:34
